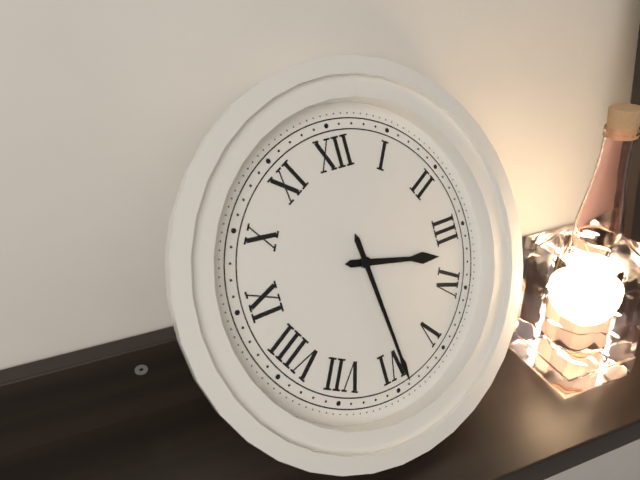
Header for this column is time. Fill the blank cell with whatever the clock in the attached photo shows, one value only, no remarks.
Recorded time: 3:29
